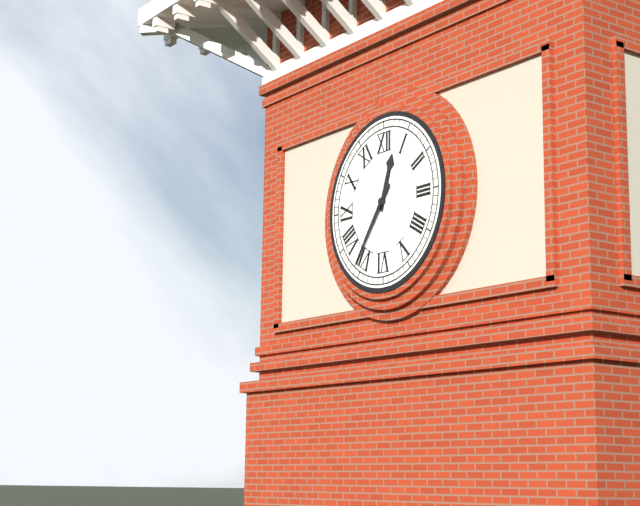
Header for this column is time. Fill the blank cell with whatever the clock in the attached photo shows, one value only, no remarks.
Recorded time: 12:36
